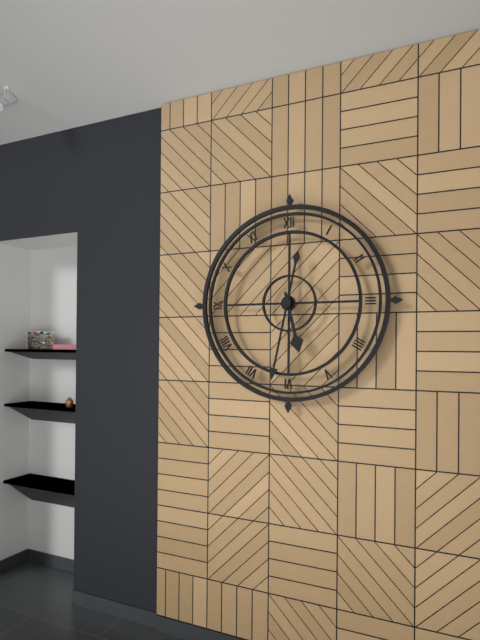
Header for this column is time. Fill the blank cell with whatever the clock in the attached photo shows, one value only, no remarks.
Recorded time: 5:32
